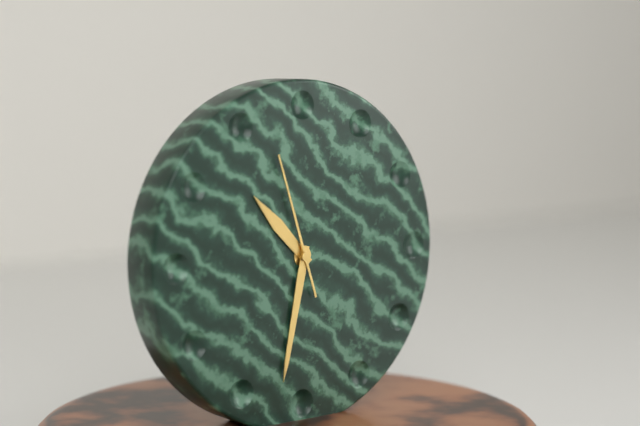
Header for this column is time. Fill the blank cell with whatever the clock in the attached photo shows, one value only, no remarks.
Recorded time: 10:32:57
